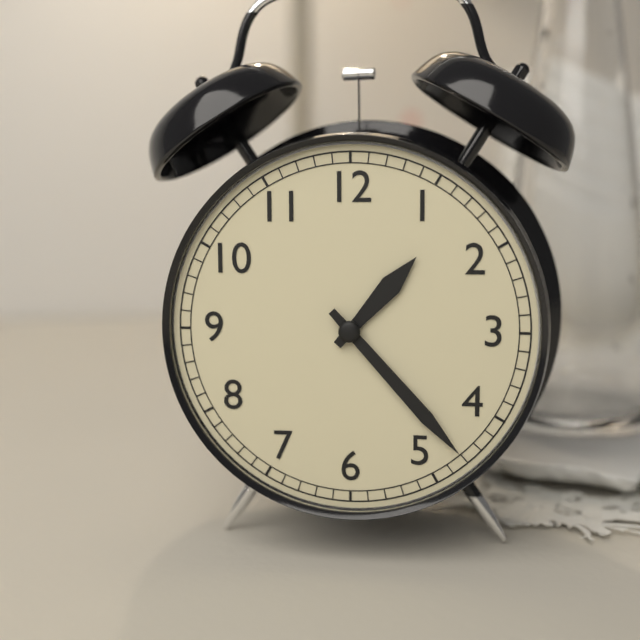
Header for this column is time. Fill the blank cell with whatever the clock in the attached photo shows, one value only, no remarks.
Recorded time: 1:23
